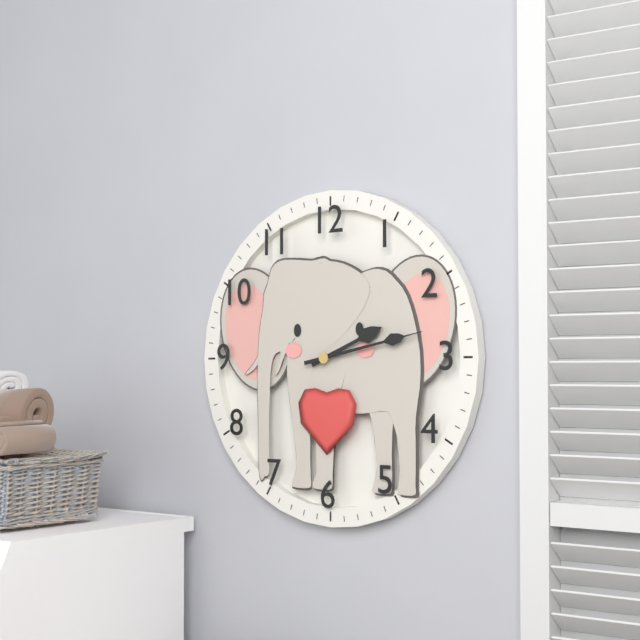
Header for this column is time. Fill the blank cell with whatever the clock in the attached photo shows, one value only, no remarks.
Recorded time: 2:13
